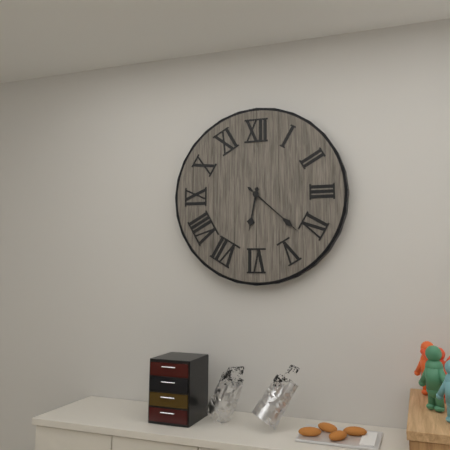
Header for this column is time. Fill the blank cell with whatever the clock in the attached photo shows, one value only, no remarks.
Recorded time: 6:22
